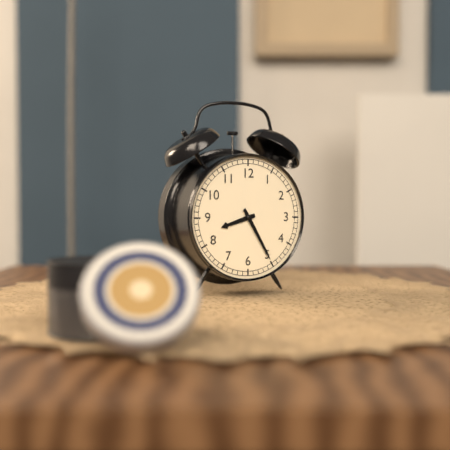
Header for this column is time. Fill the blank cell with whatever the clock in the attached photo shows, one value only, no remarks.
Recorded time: 8:25
